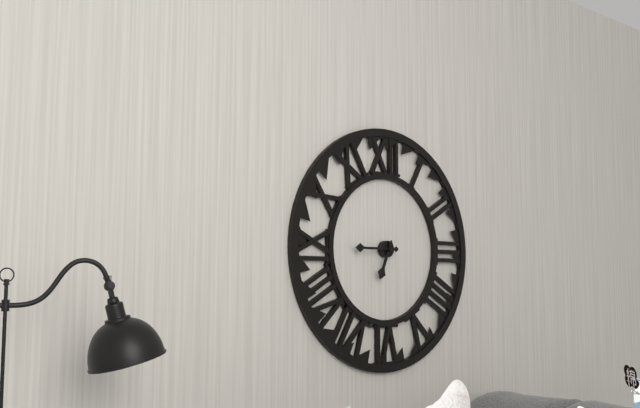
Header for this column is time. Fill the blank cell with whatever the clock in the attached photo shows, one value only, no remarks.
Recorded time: 6:45
